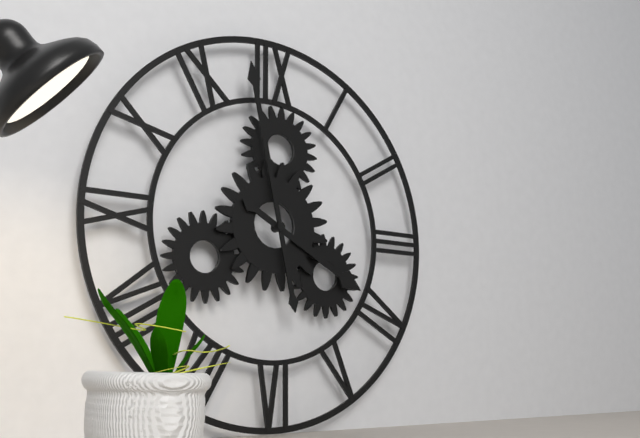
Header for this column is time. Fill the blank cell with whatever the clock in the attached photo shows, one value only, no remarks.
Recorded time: 3:58
